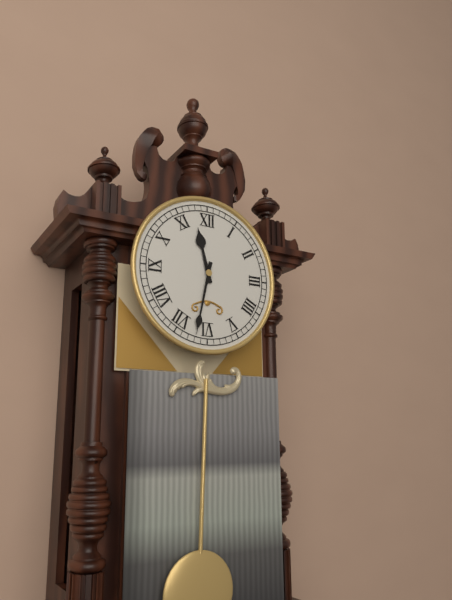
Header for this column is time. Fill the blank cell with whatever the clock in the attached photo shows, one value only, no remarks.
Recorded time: 11:32
